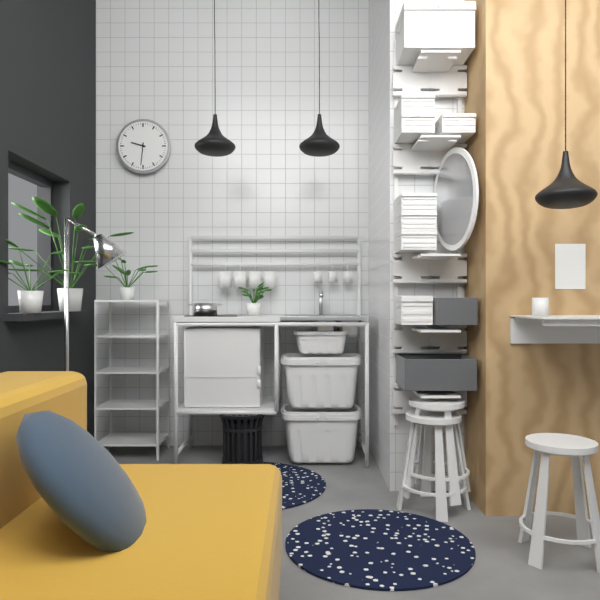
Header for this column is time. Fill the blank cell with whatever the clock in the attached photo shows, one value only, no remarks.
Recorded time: 9:31
